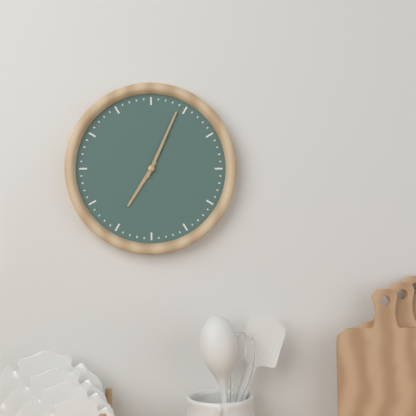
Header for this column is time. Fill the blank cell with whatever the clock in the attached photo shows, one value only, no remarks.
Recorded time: 7:04
